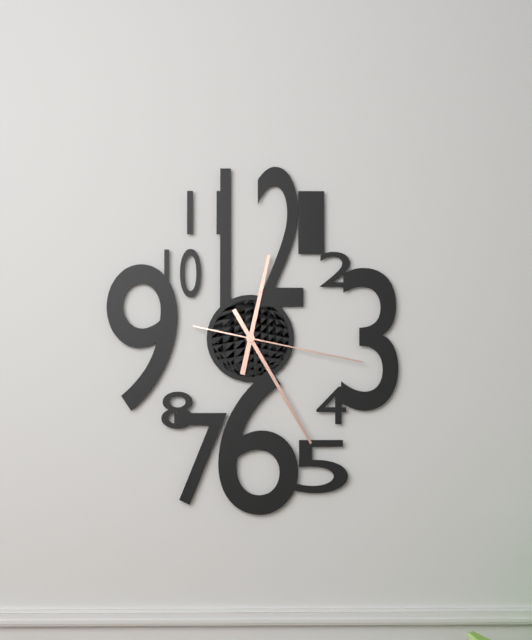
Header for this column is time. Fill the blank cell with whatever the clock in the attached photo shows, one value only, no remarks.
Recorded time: 12:25:17
